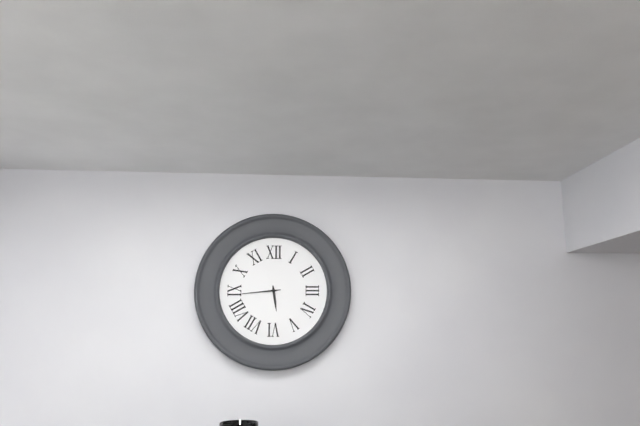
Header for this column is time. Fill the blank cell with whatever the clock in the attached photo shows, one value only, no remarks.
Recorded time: 5:44
